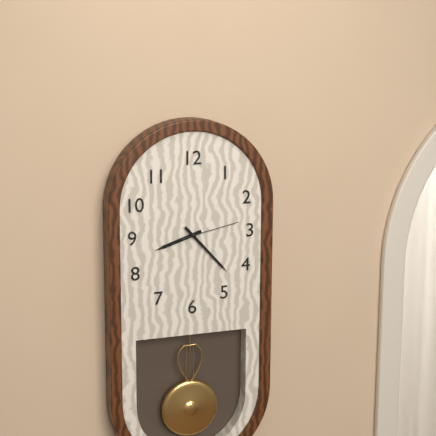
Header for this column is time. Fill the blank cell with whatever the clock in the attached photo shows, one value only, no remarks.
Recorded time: 8:23:13
